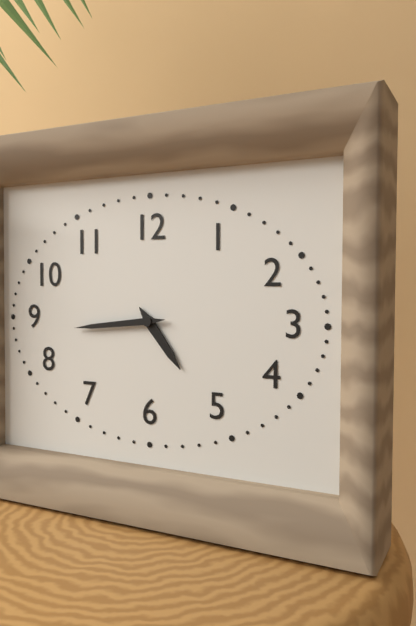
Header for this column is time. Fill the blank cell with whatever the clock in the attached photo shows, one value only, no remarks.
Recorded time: 4:44
